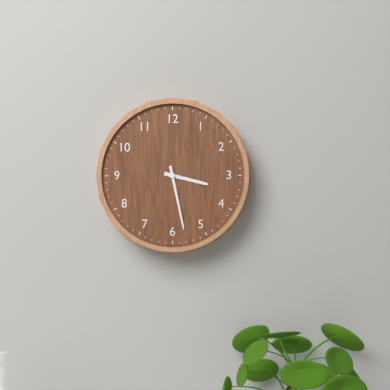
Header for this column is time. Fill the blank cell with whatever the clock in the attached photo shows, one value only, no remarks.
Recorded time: 3:28
